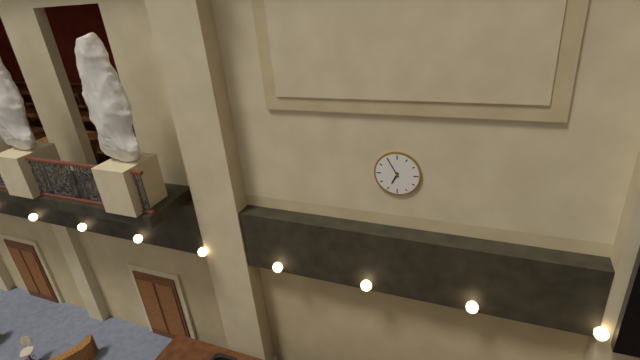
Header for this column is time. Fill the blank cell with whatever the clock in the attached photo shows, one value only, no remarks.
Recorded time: 6:55
